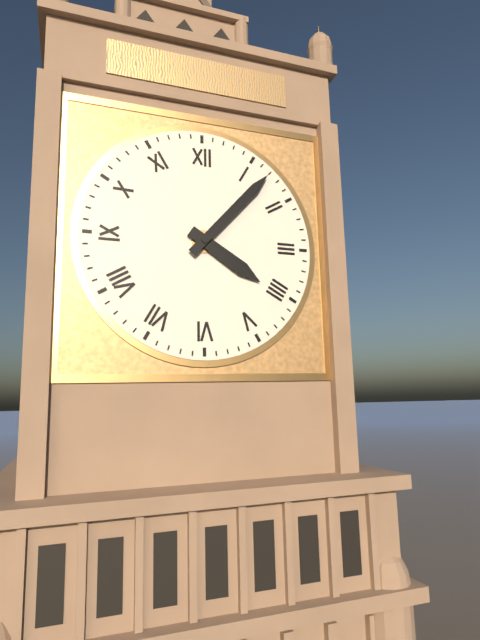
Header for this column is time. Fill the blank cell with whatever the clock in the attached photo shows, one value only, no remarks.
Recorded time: 4:07
